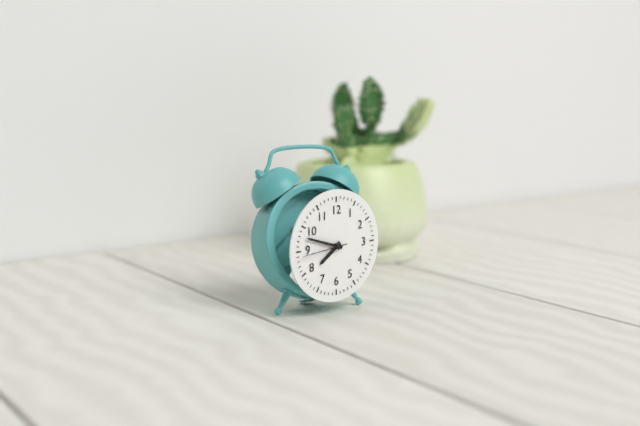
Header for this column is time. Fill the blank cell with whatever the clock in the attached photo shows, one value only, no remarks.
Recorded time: 7:48
